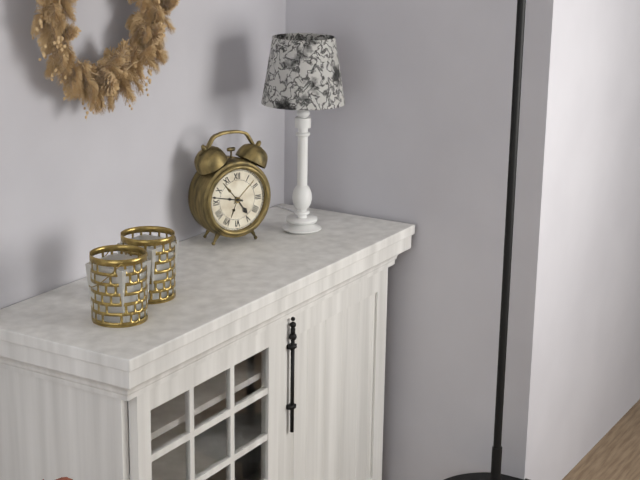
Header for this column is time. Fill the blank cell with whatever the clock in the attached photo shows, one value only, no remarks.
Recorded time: 4:47
